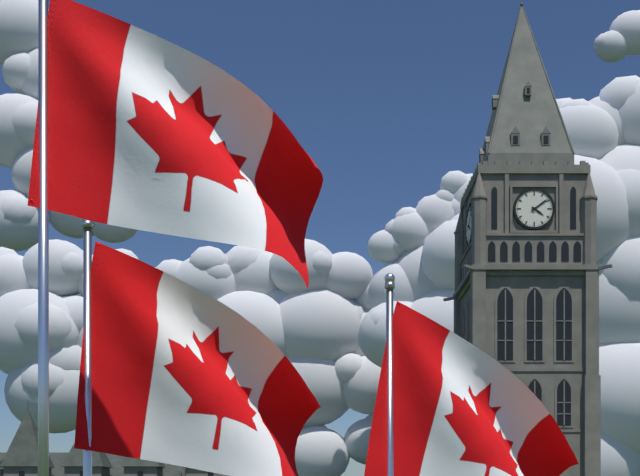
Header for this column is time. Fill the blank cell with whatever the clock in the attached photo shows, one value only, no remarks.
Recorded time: 4:09
